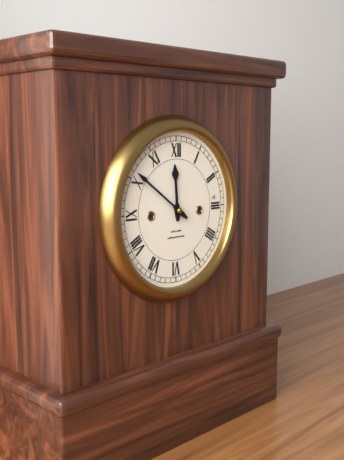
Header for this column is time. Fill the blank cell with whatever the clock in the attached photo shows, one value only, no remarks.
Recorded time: 11:51
